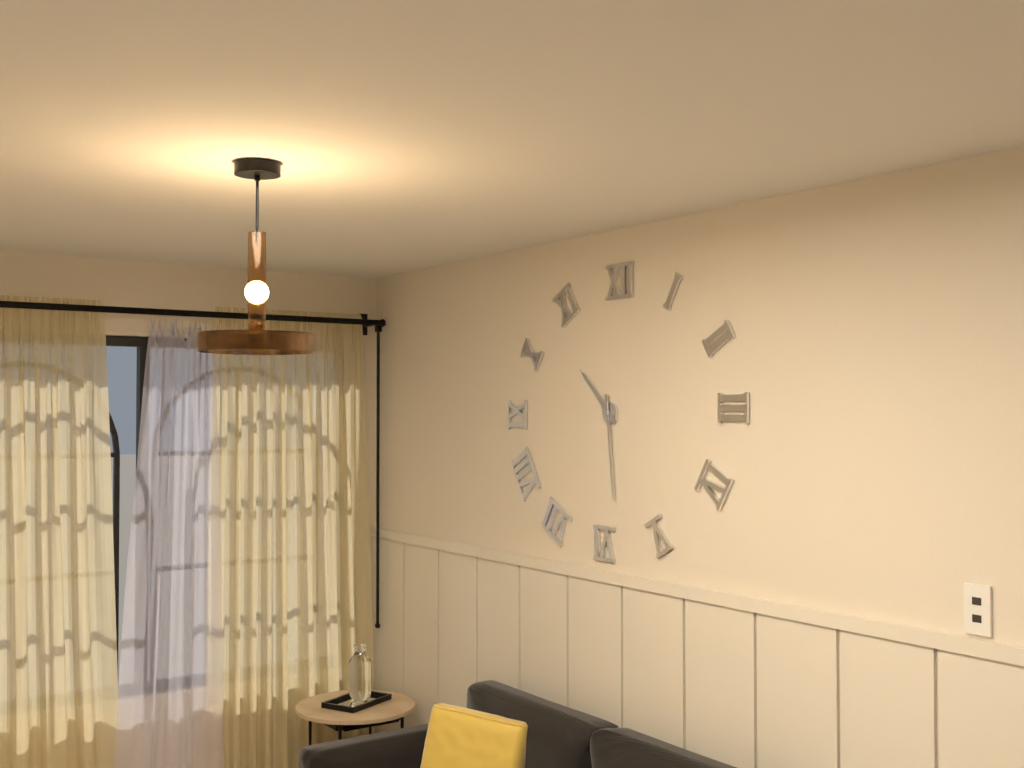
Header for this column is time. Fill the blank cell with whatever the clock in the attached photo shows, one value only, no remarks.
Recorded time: 10:29
